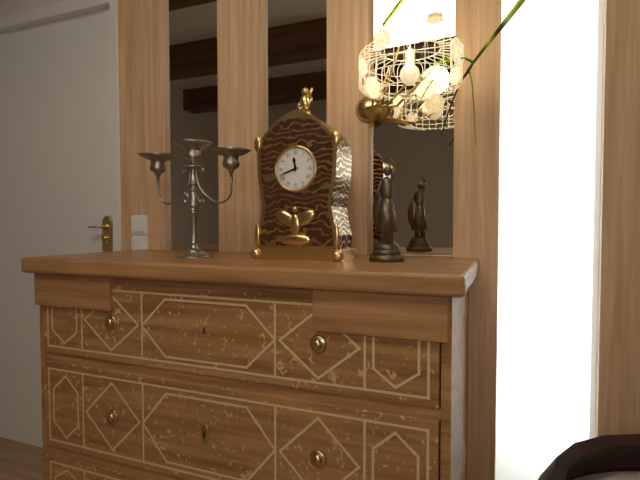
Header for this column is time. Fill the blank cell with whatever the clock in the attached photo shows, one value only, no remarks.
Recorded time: 11:42
